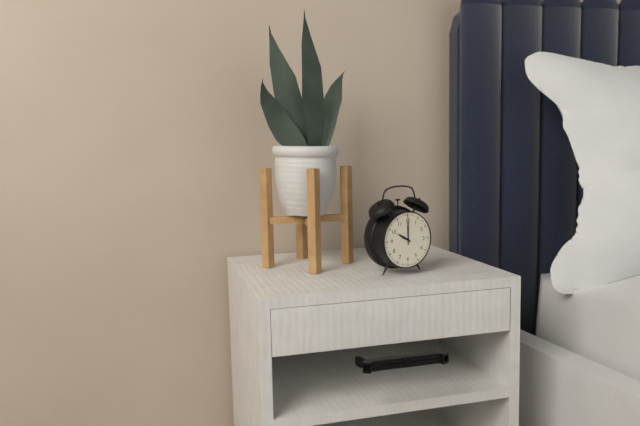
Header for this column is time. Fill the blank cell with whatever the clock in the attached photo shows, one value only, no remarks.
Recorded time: 10:00
